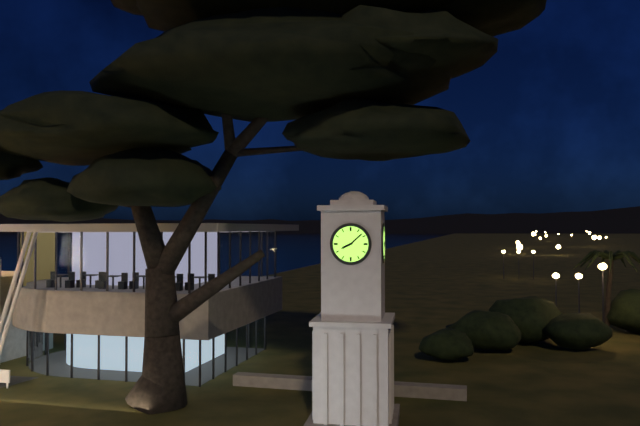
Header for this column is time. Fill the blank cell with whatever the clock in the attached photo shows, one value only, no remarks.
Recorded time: 8:08
